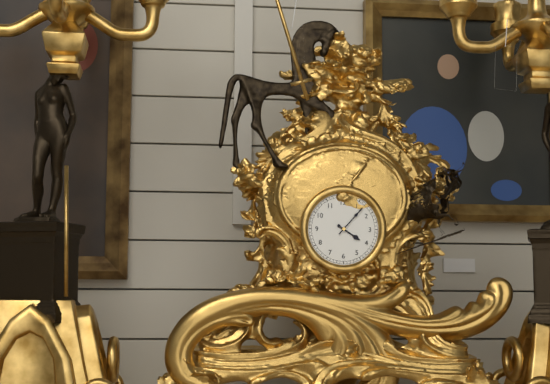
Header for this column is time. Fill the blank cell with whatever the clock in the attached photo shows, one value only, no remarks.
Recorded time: 4:07
